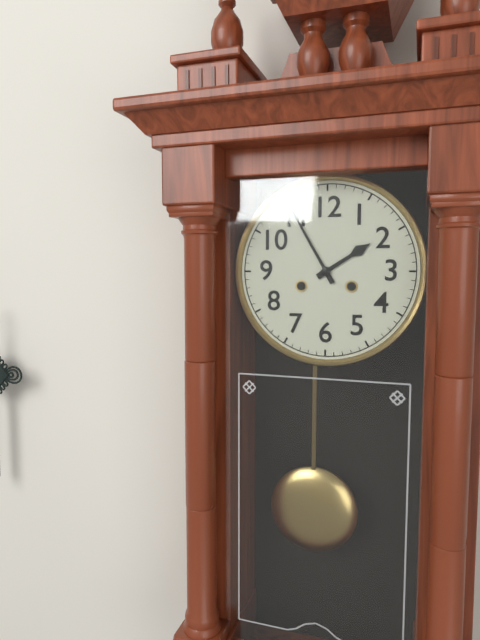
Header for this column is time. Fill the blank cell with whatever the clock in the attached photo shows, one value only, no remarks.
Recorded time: 1:55
